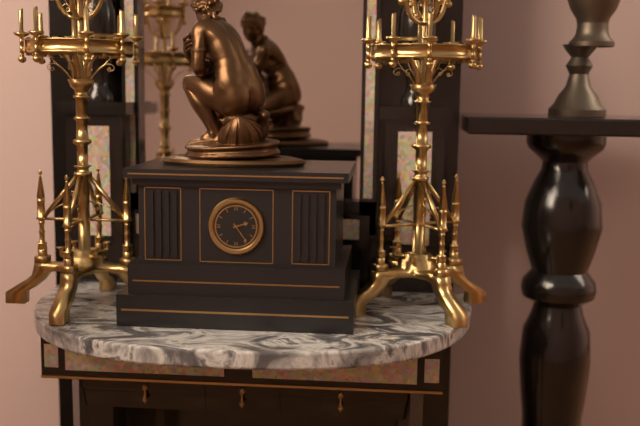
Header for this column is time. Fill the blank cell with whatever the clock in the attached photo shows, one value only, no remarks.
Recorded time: 2:24
